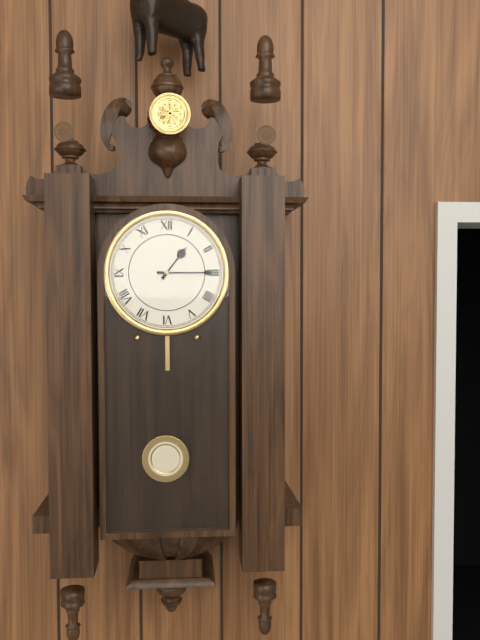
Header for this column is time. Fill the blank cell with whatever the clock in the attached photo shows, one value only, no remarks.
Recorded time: 1:15
